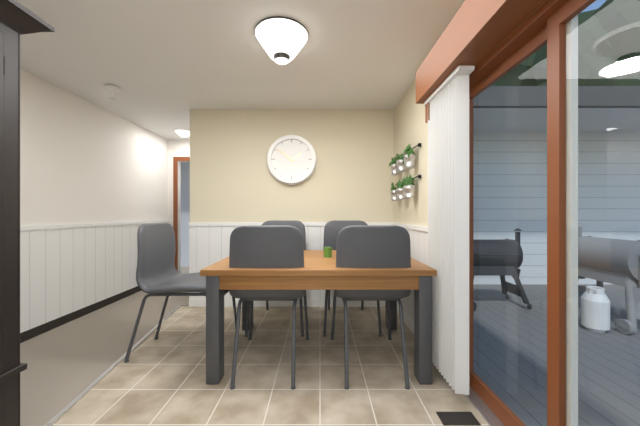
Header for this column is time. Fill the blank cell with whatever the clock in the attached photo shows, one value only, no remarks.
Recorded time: 1:51
